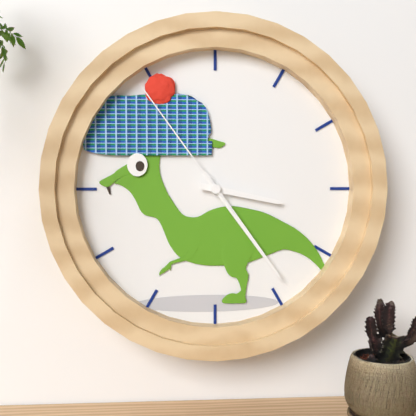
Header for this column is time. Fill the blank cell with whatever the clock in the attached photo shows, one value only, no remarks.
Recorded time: 3:24:54
